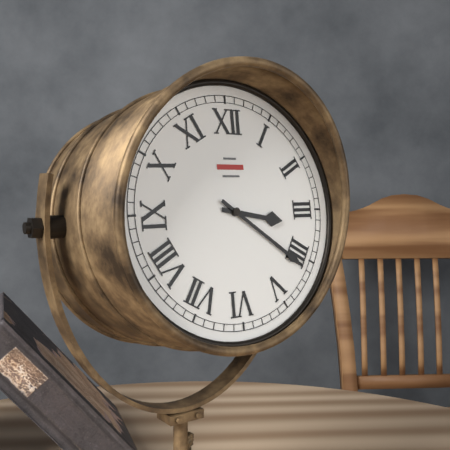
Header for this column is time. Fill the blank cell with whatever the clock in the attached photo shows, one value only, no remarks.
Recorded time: 3:21
